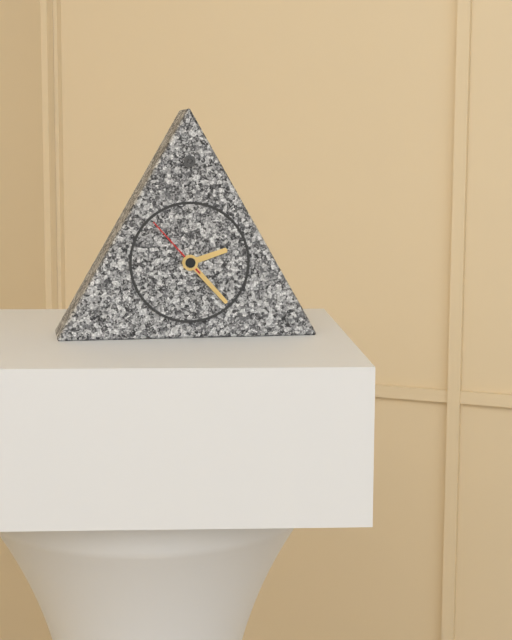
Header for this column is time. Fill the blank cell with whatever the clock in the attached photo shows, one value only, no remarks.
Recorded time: 2:23:53
